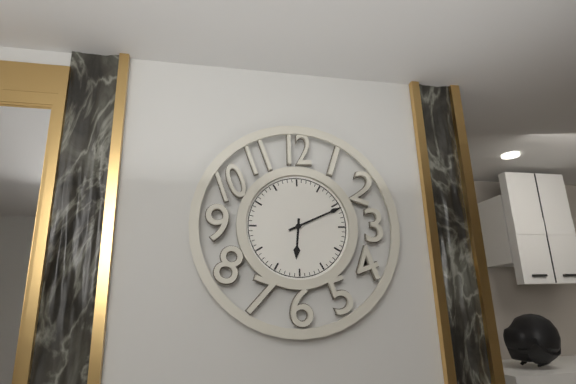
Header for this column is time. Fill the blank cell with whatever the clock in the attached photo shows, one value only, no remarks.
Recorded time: 6:11
